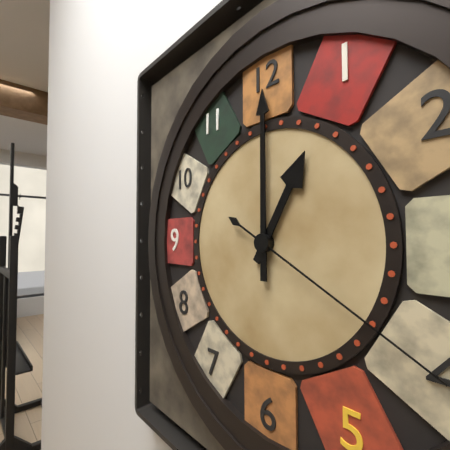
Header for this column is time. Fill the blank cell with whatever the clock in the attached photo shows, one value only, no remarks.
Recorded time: 1:00:20
